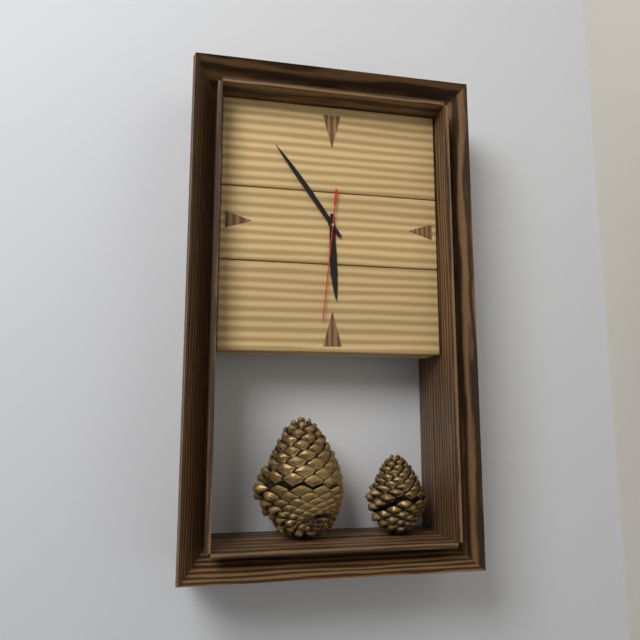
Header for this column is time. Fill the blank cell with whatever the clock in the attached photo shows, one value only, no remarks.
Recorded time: 5:54:31
